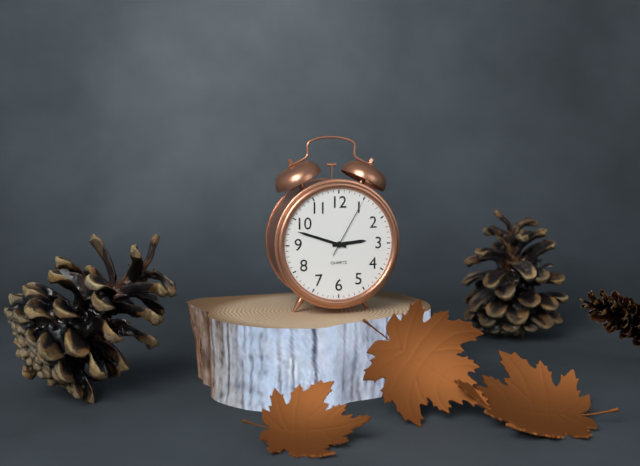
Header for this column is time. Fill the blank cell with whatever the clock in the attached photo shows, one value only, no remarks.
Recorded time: 2:48:05
